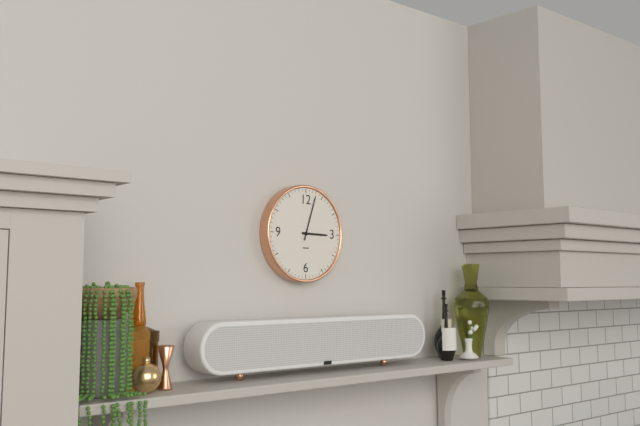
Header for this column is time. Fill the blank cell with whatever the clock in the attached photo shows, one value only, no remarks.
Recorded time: 3:03
